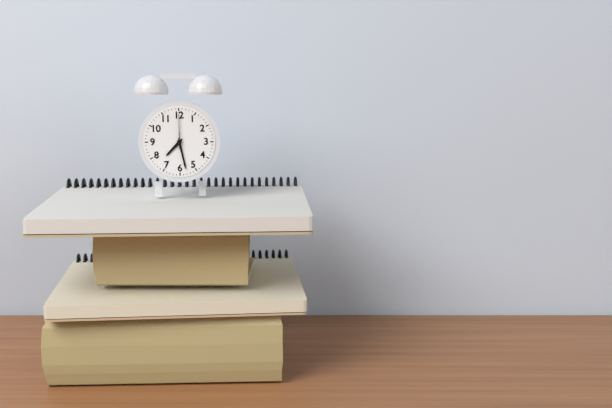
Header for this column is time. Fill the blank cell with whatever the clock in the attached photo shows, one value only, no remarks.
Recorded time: 7:28
